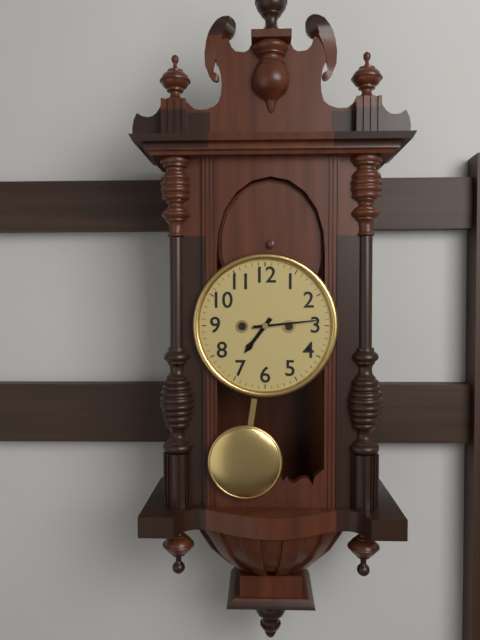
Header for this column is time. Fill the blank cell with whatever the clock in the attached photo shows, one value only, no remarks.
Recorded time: 7:14
